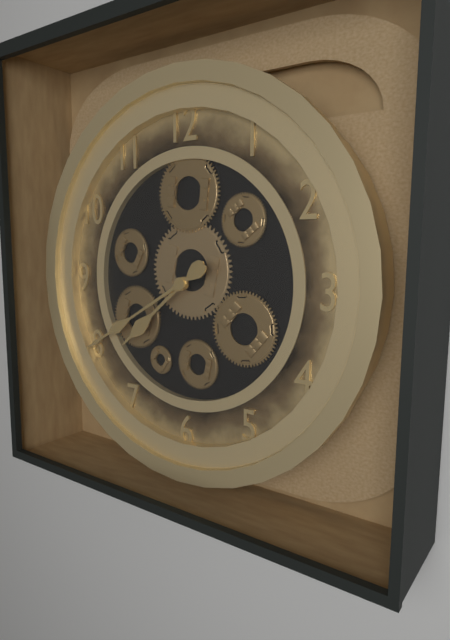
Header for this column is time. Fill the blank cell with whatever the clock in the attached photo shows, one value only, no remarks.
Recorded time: 7:40
